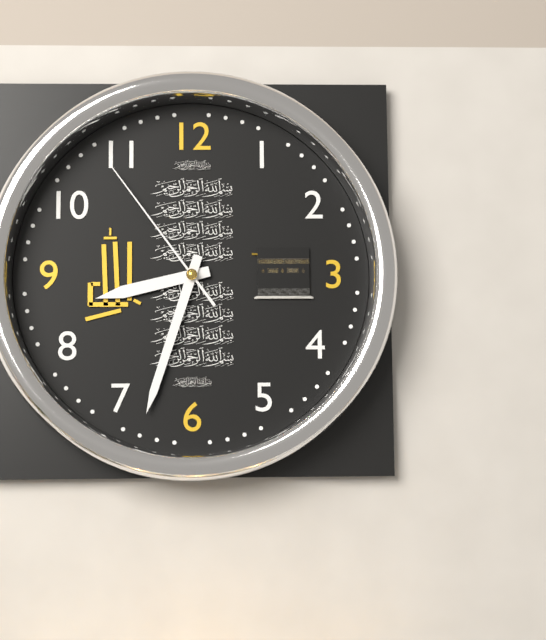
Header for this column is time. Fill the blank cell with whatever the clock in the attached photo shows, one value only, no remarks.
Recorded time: 8:33:54
